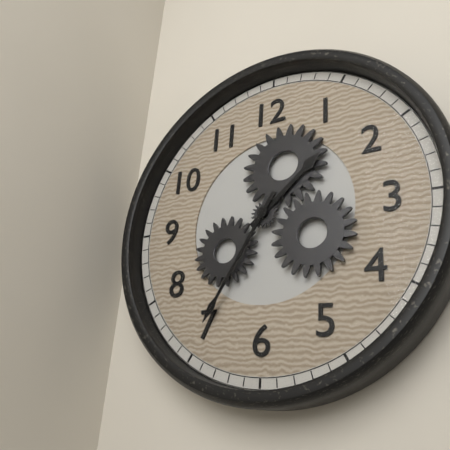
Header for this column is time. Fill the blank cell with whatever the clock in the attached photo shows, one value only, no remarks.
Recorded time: 1:35
